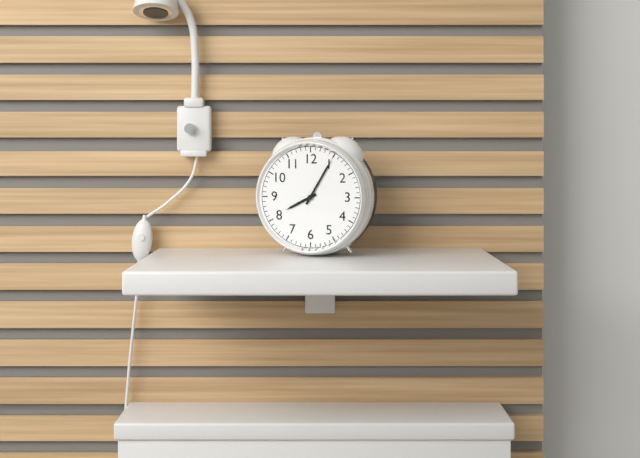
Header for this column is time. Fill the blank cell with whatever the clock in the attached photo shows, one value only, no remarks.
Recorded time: 8:05
